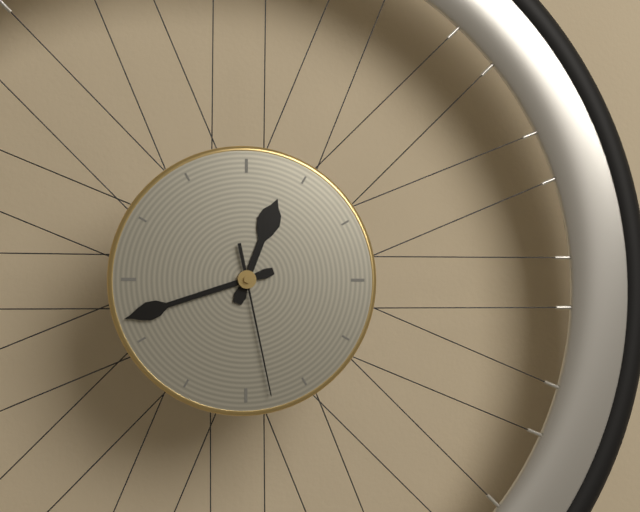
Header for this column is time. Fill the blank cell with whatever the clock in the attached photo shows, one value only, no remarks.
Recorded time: 12:42:28
